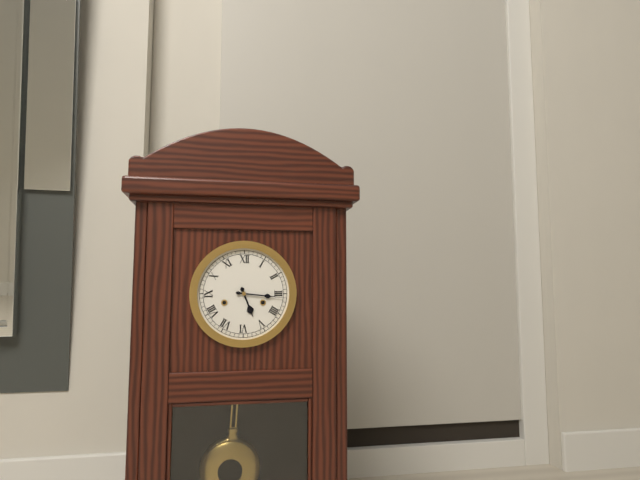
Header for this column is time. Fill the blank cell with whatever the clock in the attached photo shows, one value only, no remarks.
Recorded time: 5:16
